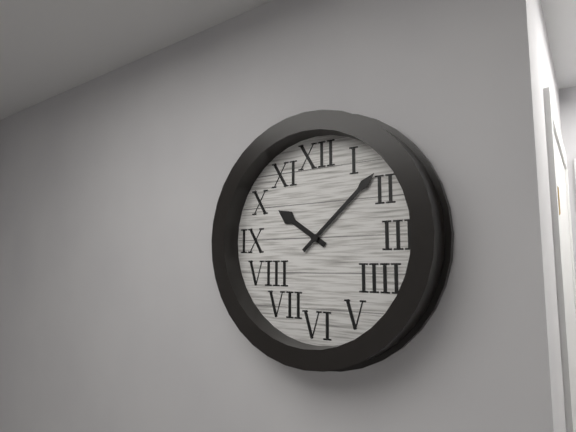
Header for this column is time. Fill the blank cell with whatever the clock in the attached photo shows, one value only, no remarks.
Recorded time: 10:08
